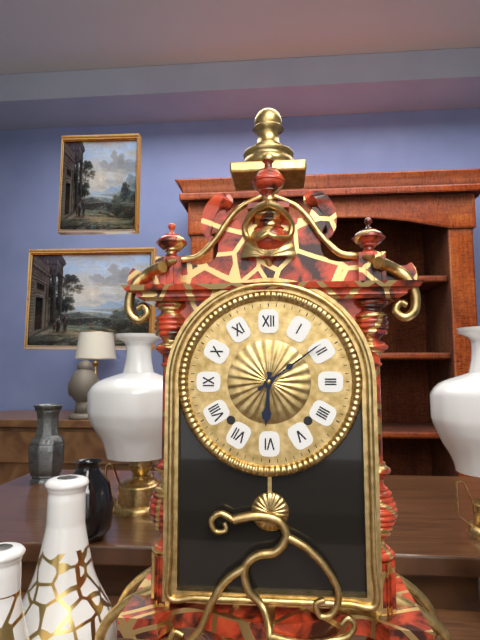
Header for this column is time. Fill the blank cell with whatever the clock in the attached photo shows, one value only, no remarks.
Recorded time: 6:09
